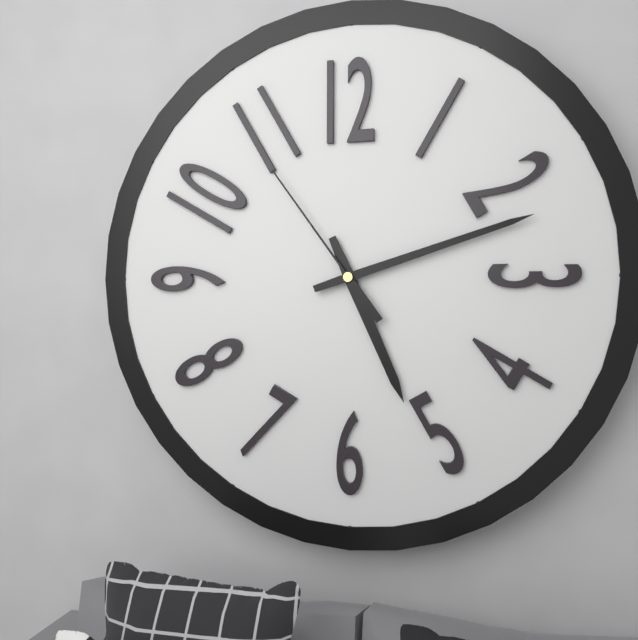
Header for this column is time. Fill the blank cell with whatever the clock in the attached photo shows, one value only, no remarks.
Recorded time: 5:12:54
